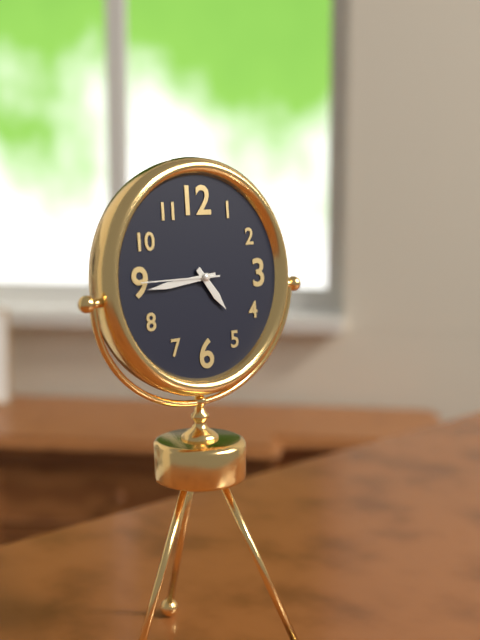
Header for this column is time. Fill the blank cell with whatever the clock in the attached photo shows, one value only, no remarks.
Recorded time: 4:44:45
